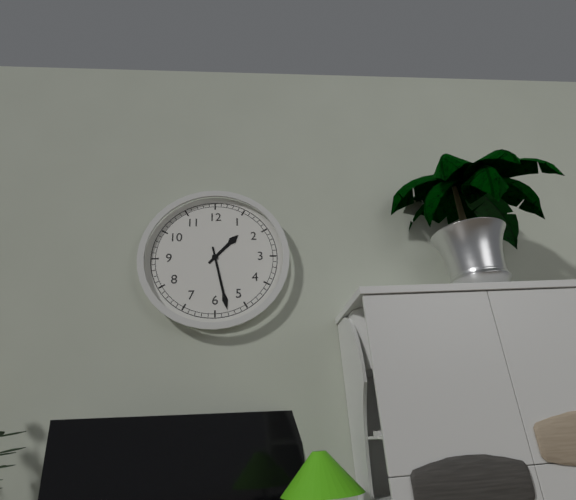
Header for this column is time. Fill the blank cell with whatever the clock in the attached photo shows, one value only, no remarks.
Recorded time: 1:28
